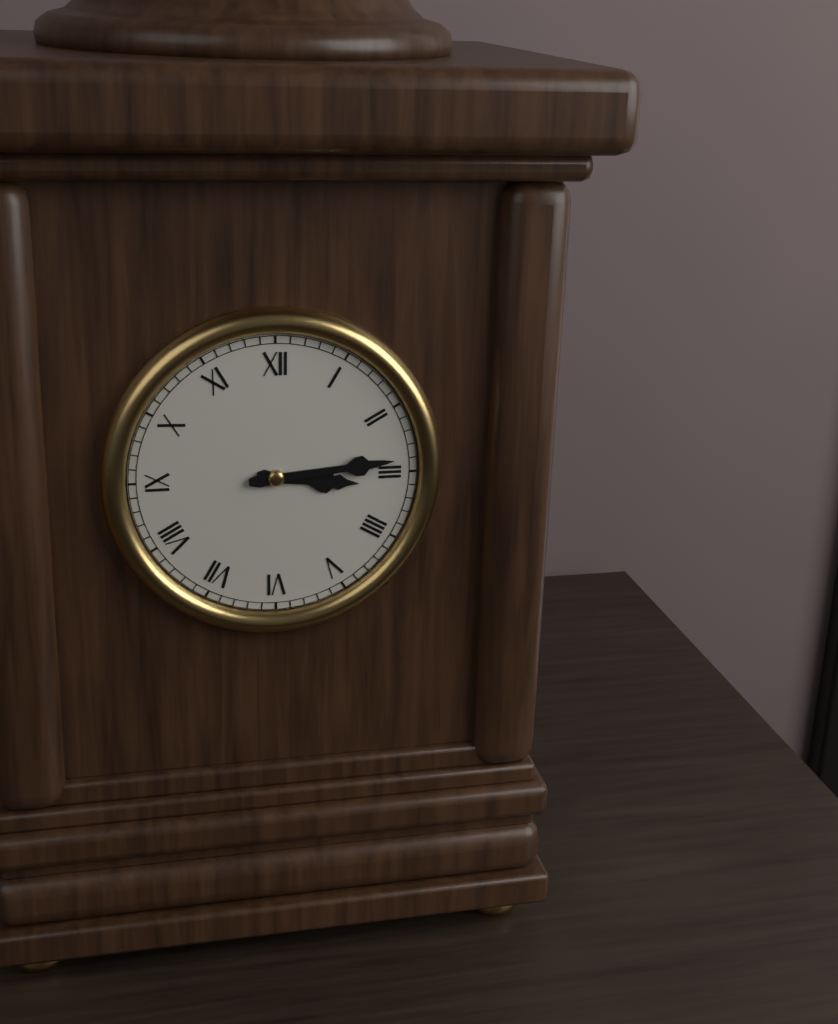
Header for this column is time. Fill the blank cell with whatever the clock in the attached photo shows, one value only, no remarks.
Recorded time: 3:14
